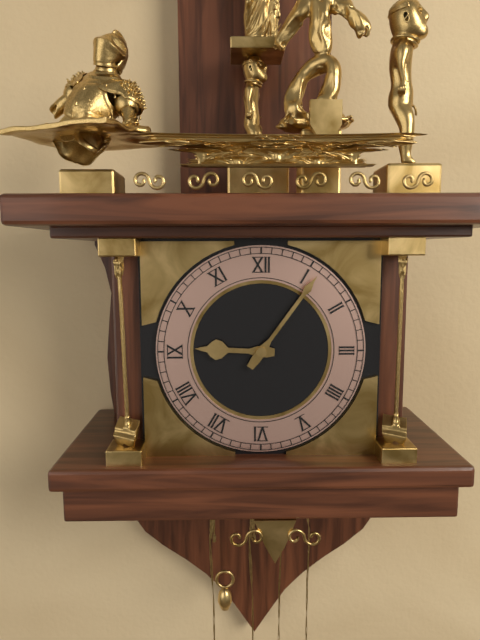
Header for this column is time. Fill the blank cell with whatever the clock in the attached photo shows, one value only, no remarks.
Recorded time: 9:06
